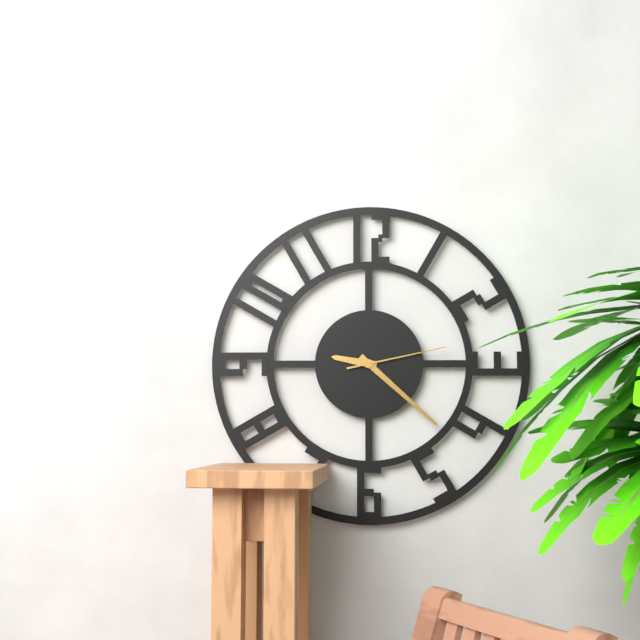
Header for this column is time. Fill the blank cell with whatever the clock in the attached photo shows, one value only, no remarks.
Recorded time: 9:22:13
